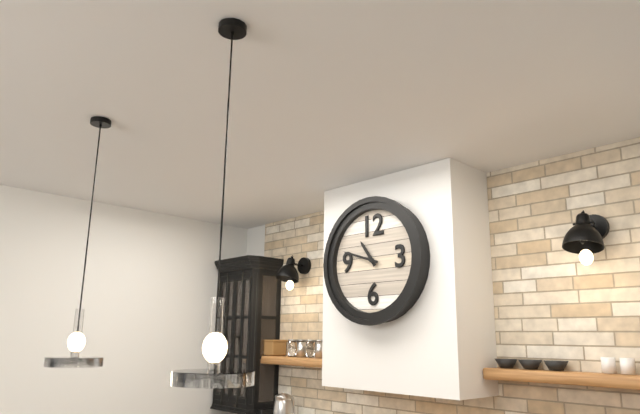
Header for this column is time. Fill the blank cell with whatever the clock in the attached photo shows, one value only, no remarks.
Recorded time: 10:48
